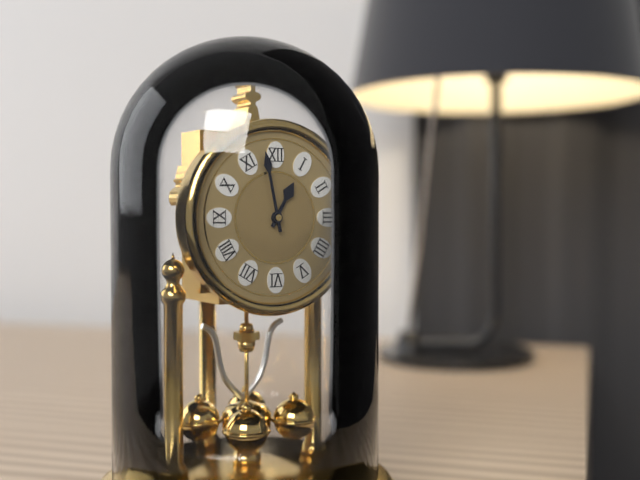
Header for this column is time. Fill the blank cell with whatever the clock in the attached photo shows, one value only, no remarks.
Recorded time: 12:58
